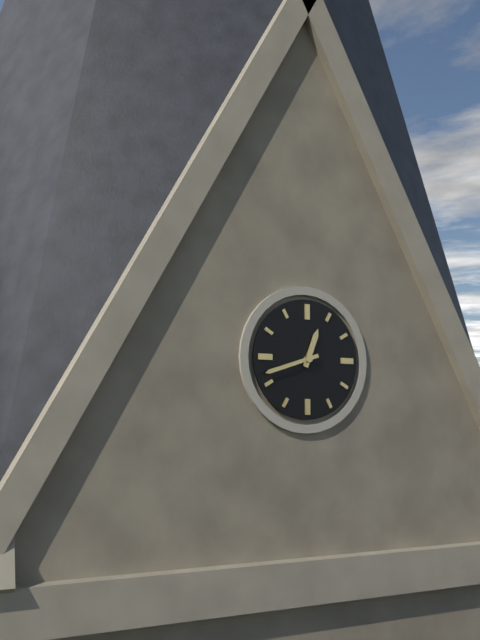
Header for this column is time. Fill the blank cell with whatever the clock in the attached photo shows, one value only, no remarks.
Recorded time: 12:42
